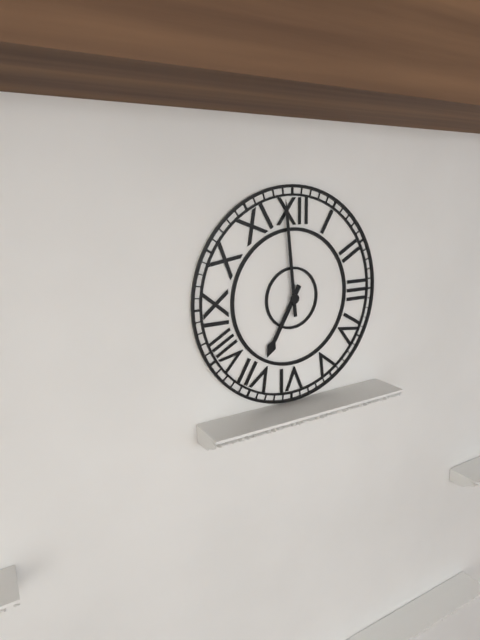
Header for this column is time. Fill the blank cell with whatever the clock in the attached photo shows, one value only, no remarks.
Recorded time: 6:59
